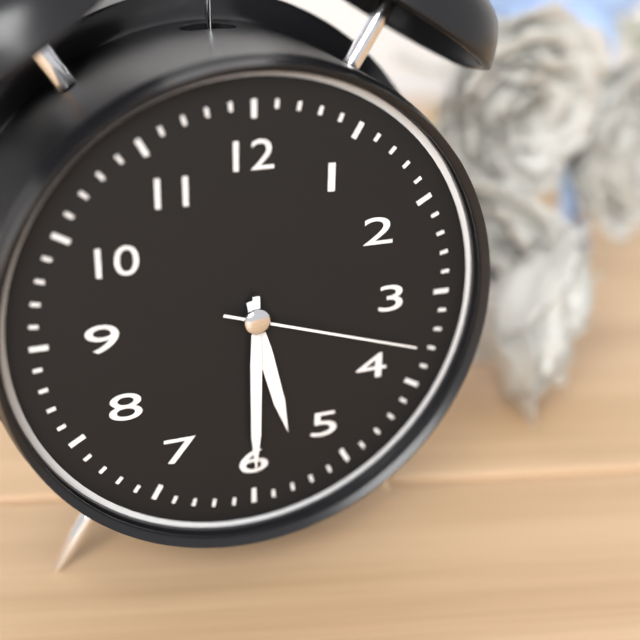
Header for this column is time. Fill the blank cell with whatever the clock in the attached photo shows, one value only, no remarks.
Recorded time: 5:30:18
